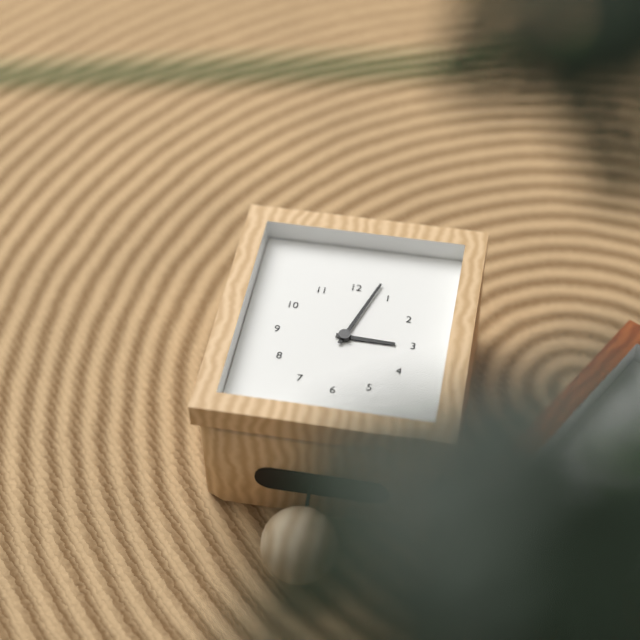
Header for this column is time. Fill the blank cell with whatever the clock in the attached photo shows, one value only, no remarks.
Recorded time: 3:03
